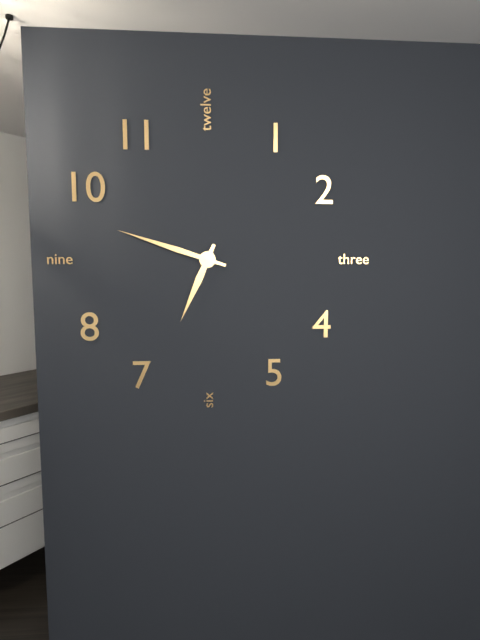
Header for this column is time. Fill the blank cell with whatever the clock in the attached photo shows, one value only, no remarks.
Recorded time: 6:48
